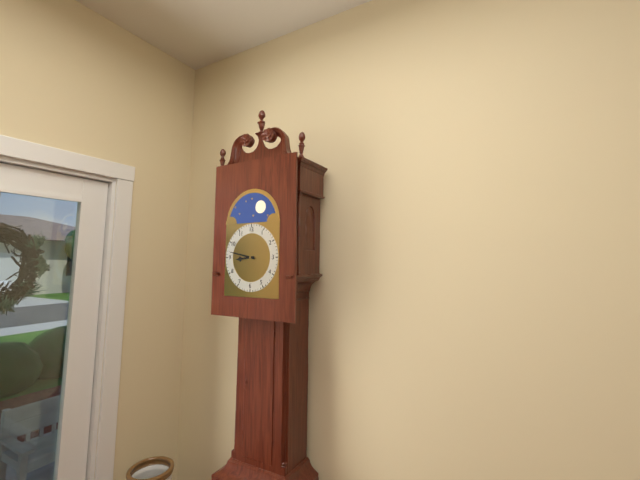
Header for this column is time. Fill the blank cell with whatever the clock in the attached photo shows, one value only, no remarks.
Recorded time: 8:47
